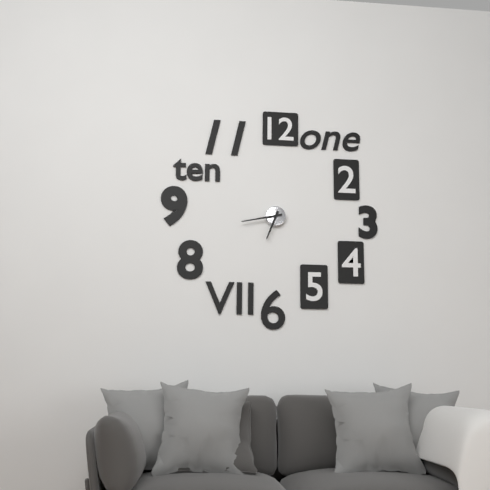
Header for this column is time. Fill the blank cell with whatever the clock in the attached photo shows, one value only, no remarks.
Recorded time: 6:43
